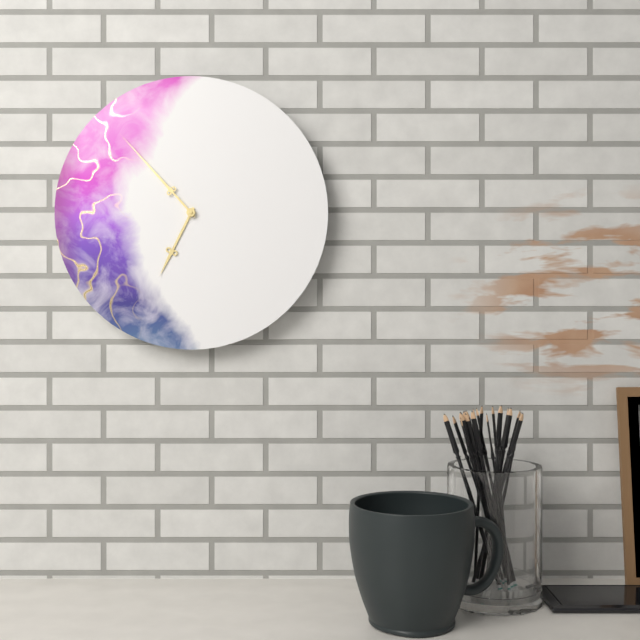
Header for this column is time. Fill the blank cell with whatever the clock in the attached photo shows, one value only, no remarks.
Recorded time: 6:53
